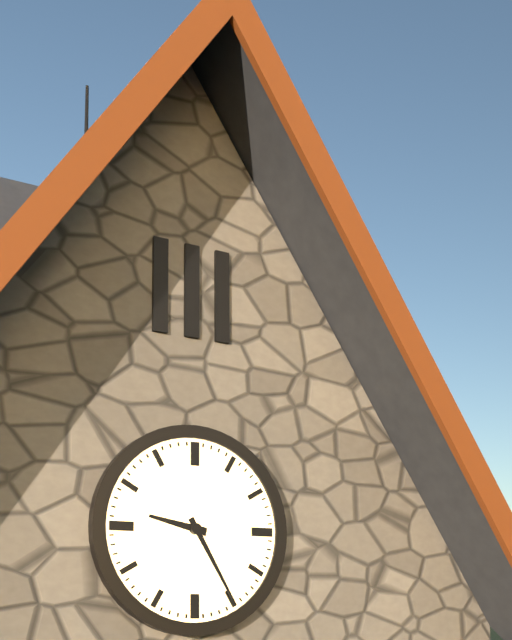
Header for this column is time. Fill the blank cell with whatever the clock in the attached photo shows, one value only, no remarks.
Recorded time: 9:25
